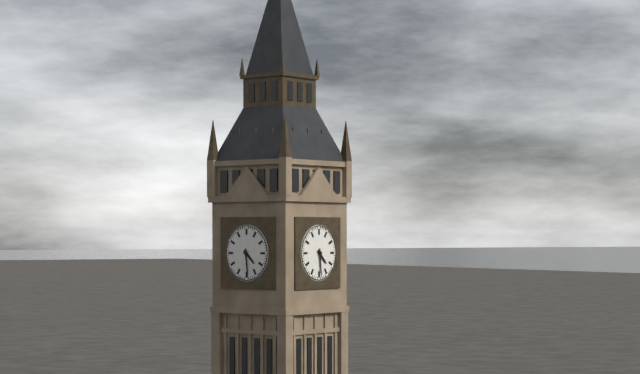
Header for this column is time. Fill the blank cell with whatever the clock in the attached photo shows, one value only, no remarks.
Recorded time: 4:29
